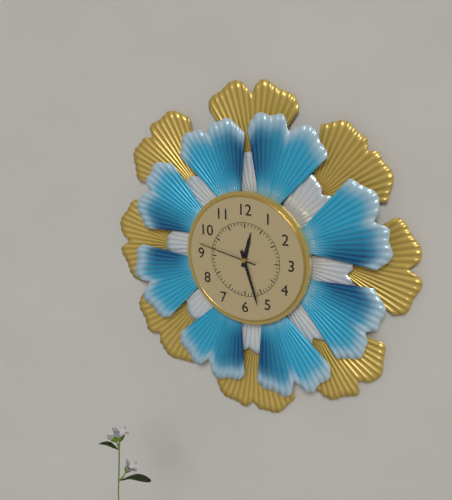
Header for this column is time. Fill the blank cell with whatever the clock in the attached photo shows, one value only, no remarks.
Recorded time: 12:27:47
